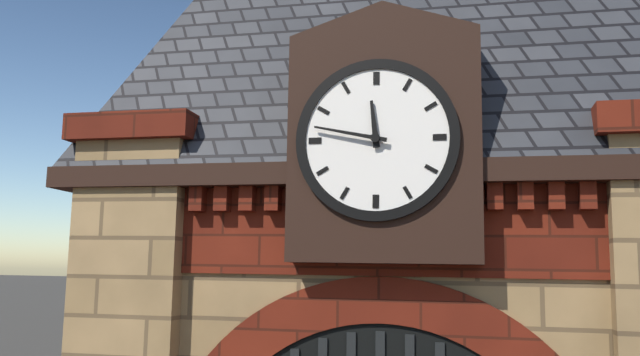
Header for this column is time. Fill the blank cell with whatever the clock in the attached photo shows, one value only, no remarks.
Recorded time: 11:47
